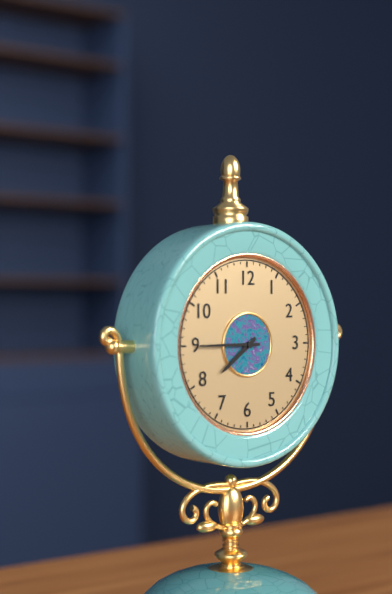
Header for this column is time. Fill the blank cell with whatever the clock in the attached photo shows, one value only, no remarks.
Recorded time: 7:45
